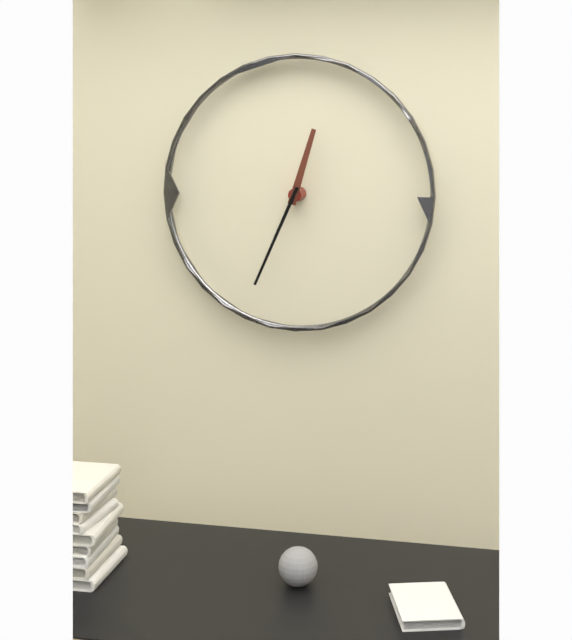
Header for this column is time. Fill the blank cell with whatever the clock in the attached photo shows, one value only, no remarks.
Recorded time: 12:34
